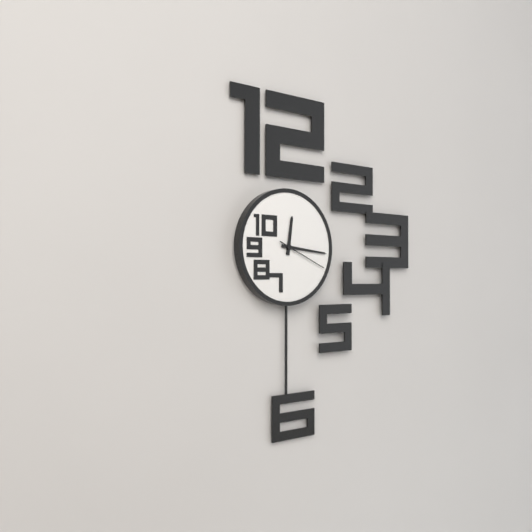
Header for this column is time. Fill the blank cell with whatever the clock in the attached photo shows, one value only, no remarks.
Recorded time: 12:16:19
